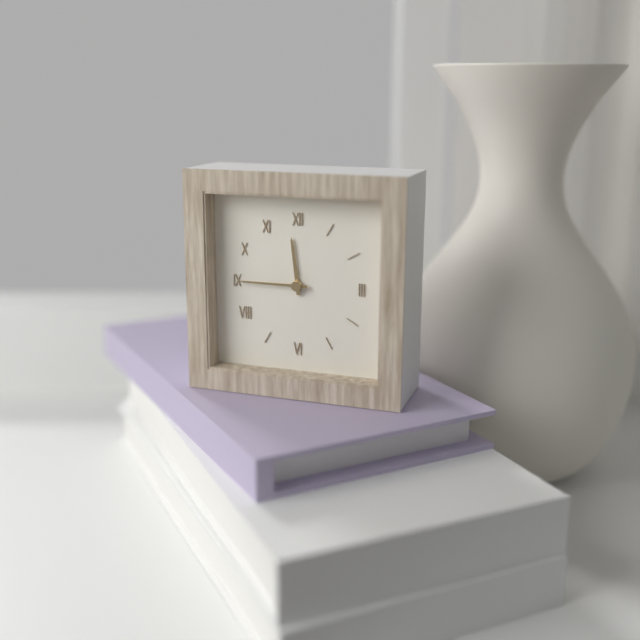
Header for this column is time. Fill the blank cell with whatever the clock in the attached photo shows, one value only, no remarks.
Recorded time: 11:45
